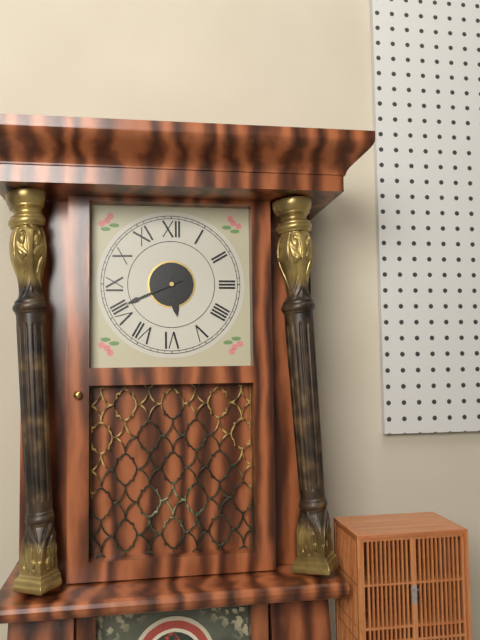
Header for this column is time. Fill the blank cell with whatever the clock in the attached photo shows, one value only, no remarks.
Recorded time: 5:41
